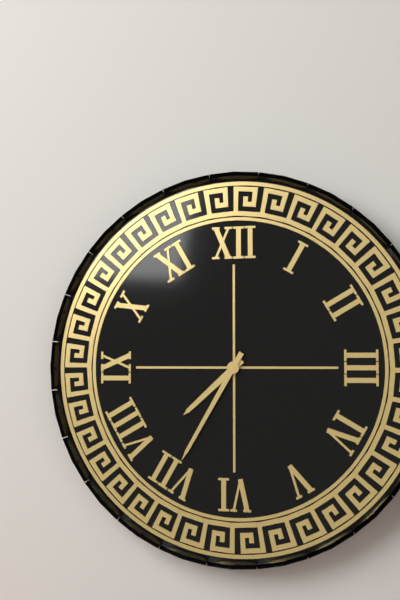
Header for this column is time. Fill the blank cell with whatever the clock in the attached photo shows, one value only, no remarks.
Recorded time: 7:35
